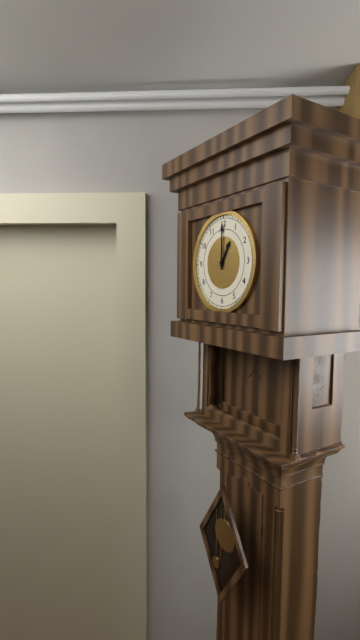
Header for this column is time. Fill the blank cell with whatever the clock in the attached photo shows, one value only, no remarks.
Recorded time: 1:00
